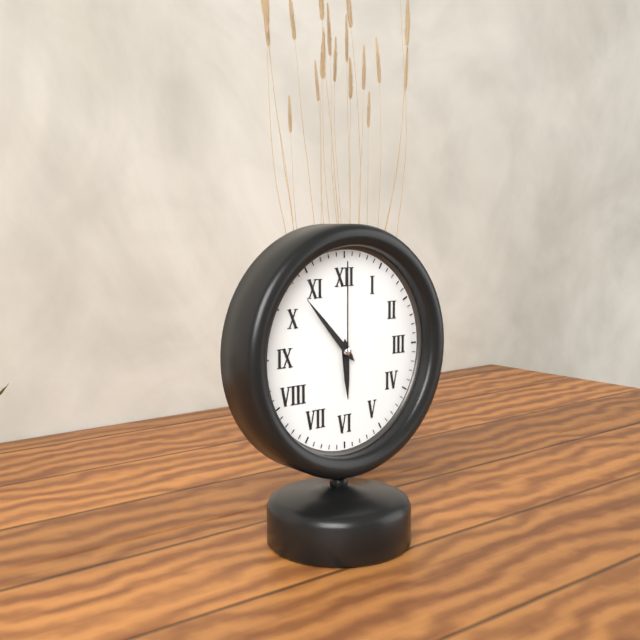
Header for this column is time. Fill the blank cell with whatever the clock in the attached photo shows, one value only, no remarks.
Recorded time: 5:53:00
